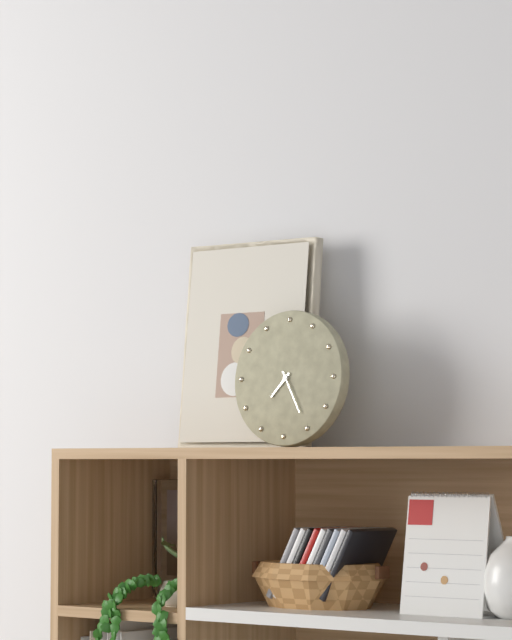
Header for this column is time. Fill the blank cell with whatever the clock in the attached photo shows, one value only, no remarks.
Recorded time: 7:25
